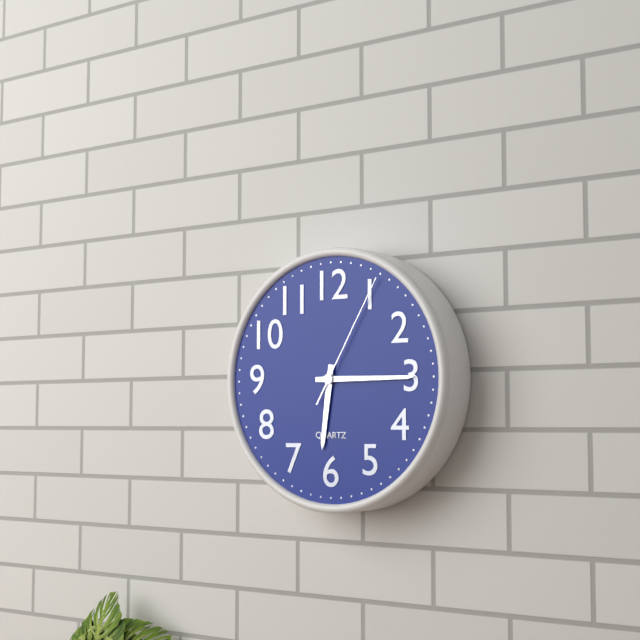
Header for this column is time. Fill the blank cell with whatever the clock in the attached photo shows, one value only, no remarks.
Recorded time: 6:15:05
